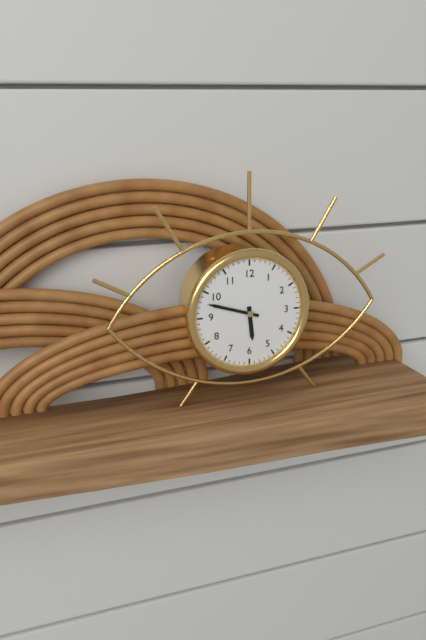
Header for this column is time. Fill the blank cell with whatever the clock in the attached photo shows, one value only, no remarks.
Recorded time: 5:48
